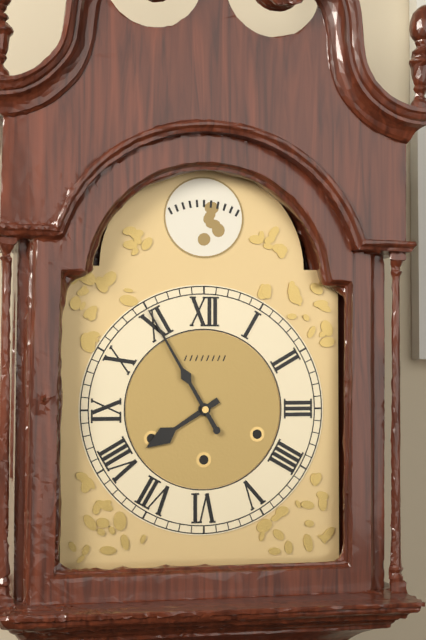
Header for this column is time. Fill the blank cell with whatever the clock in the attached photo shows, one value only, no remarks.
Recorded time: 7:55
